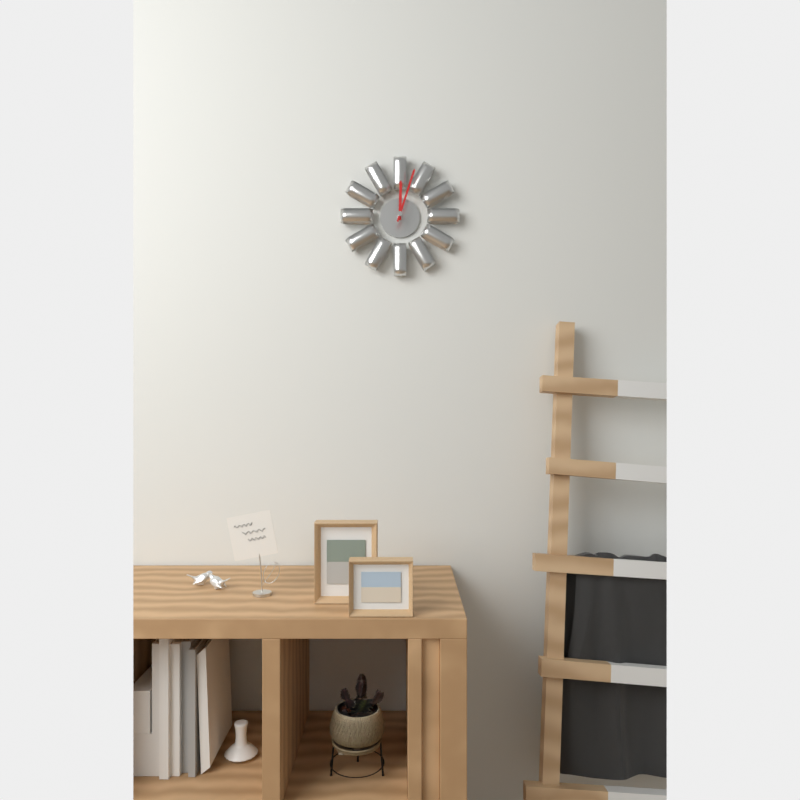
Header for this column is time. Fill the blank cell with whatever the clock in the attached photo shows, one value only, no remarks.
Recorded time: 12:03
